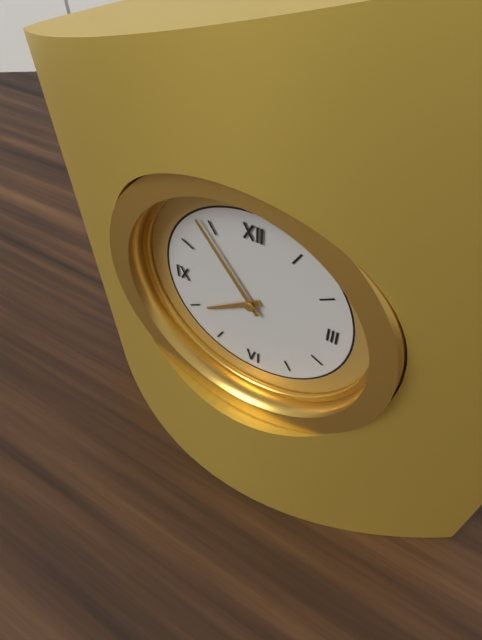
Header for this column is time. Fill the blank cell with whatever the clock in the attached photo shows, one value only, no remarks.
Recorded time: 7:54
